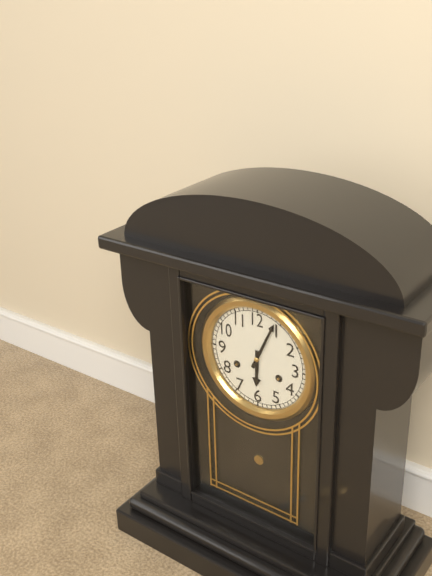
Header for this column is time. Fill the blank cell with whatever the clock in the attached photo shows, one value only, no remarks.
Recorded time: 6:04
